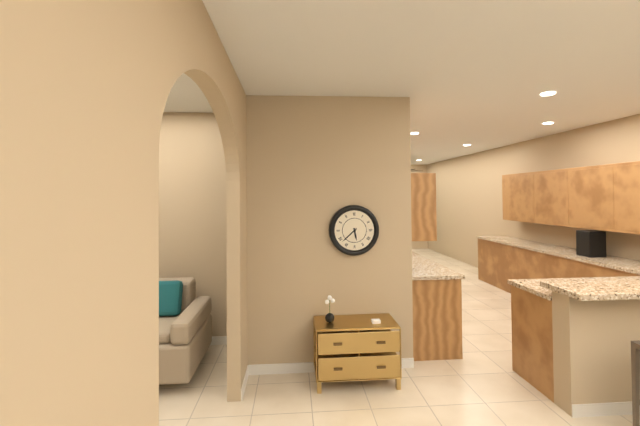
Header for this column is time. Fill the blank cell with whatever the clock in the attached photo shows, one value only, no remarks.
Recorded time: 5:38
